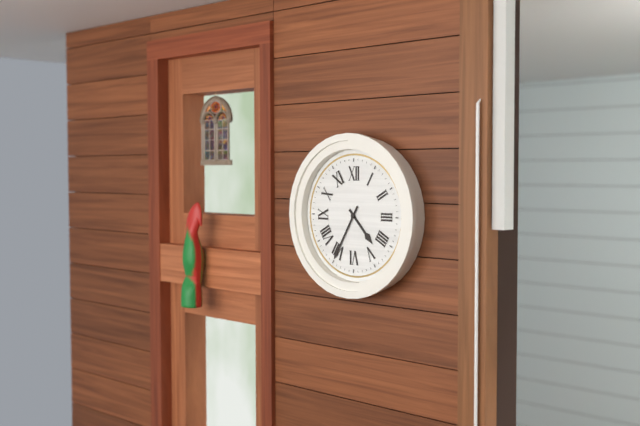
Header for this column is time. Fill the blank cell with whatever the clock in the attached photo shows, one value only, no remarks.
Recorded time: 4:35
